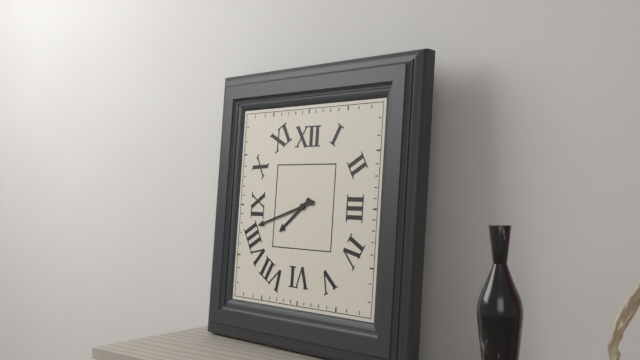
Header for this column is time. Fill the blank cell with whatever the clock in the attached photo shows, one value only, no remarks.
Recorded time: 7:42
